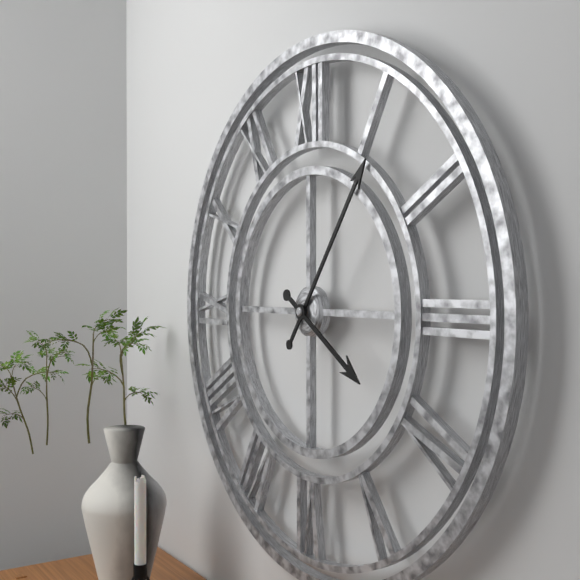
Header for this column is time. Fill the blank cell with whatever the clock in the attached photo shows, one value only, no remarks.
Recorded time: 4:06
